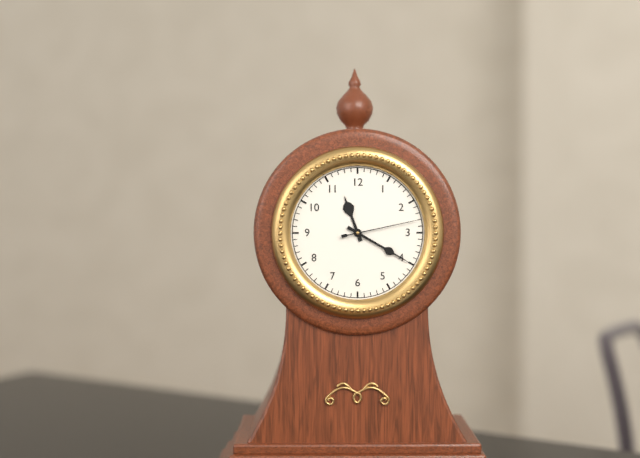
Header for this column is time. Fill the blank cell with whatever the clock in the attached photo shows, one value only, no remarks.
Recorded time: 11:20:13
